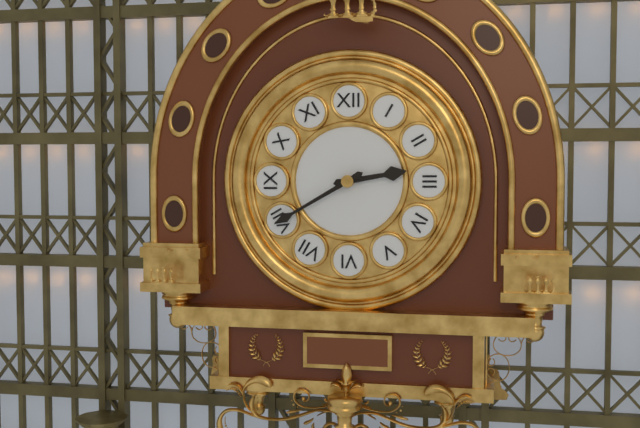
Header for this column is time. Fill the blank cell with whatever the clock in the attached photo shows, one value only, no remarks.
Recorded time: 2:40
